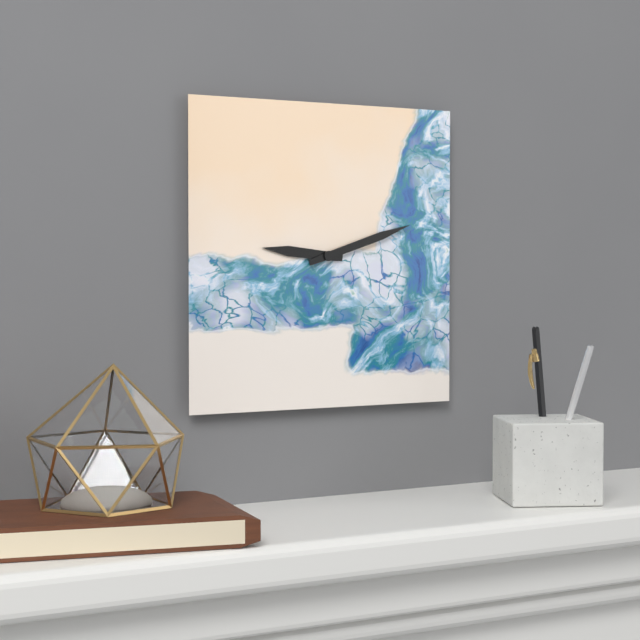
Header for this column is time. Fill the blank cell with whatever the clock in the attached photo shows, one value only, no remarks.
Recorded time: 9:12
